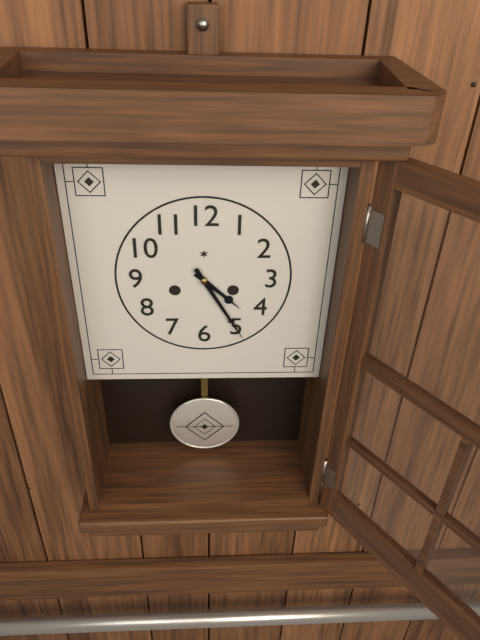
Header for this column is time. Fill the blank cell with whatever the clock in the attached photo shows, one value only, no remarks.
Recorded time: 4:25
